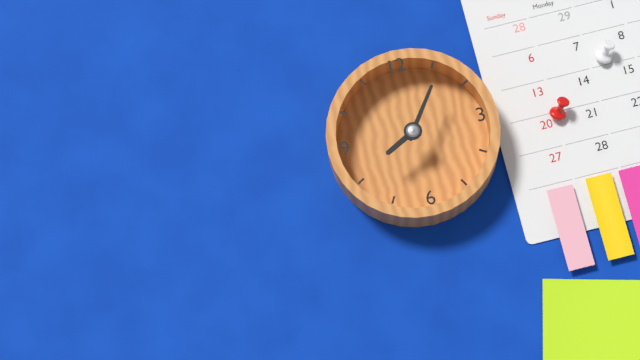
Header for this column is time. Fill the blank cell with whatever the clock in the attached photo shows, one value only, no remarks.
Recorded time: 8:06
